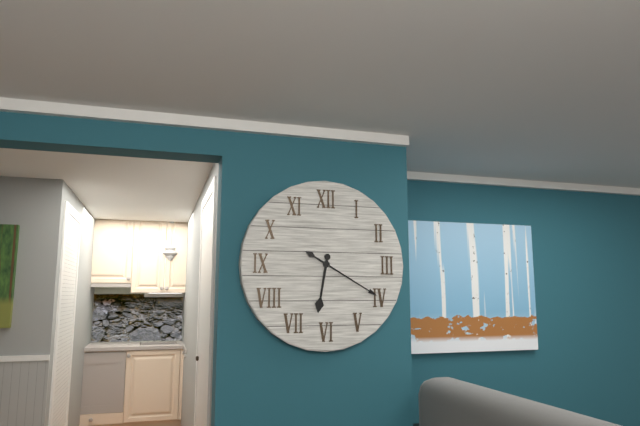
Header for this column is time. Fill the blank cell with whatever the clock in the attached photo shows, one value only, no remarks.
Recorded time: 6:20
